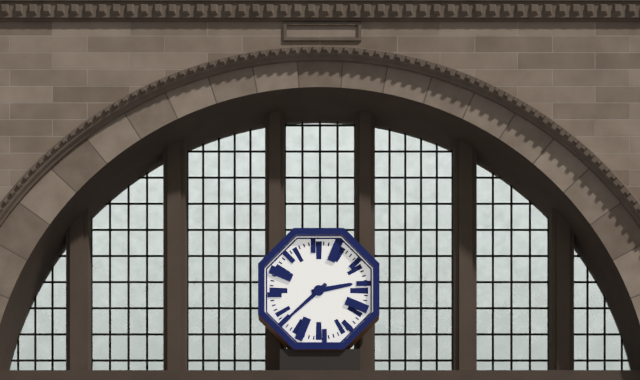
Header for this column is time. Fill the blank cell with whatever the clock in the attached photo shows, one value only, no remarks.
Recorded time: 2:38
